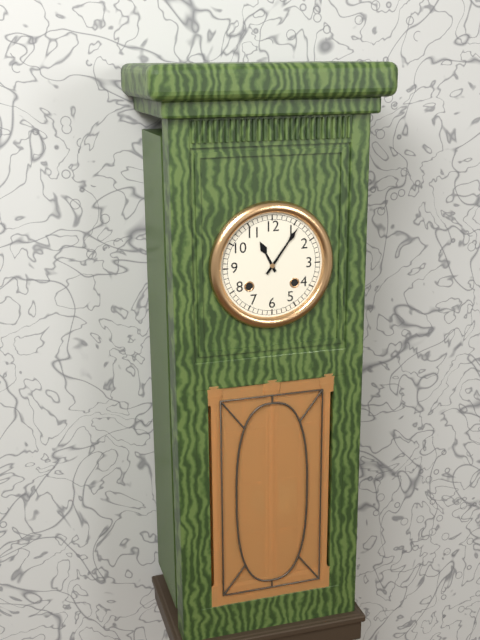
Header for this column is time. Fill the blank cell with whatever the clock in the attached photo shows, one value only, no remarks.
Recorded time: 11:06
